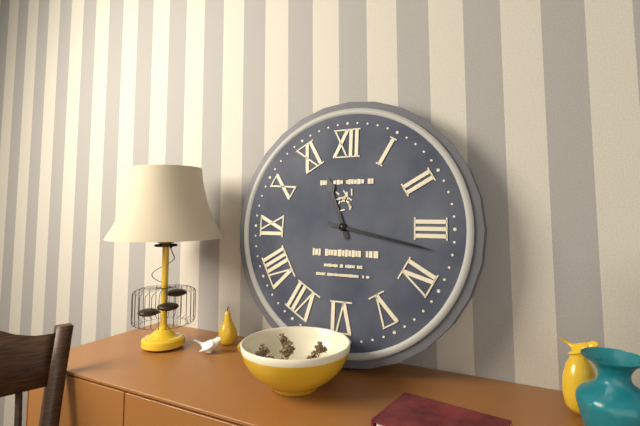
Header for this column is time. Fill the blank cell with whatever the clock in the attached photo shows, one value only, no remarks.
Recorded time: 11:17
